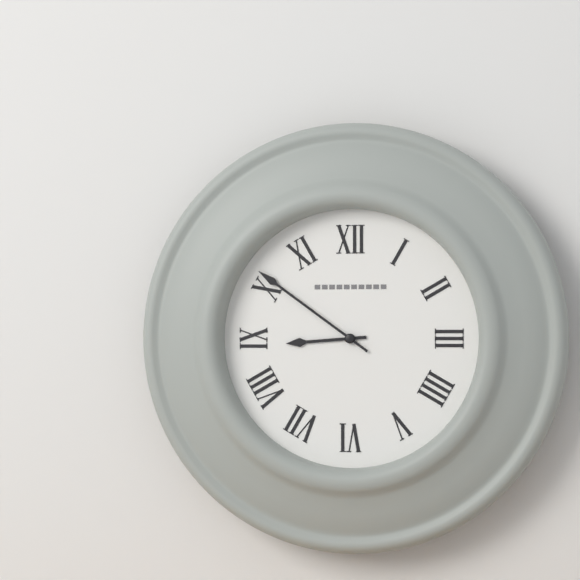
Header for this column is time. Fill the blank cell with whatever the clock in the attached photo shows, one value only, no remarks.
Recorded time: 8:51
